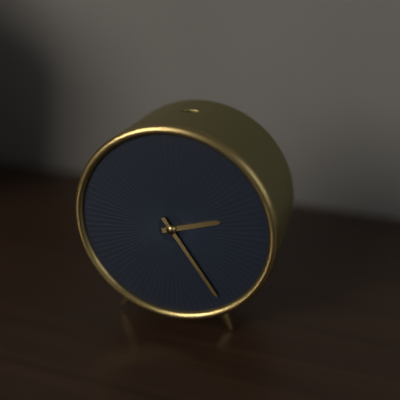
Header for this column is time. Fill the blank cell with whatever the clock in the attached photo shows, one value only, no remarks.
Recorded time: 2:24
